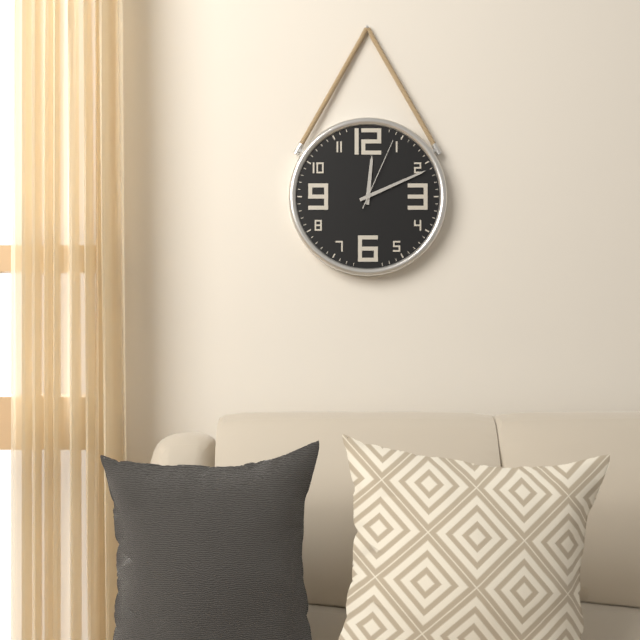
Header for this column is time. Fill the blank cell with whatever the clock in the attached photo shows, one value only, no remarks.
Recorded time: 12:11:04
